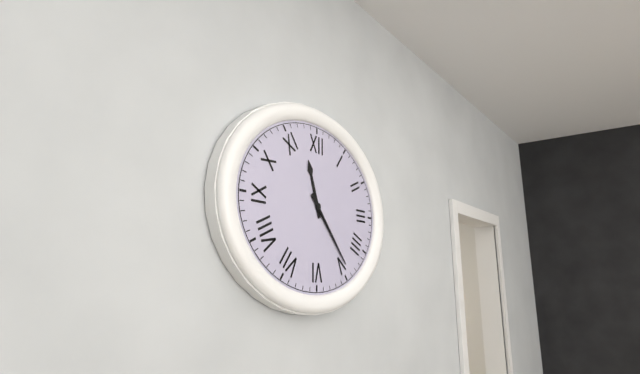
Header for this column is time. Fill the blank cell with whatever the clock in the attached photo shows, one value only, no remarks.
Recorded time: 11:23
